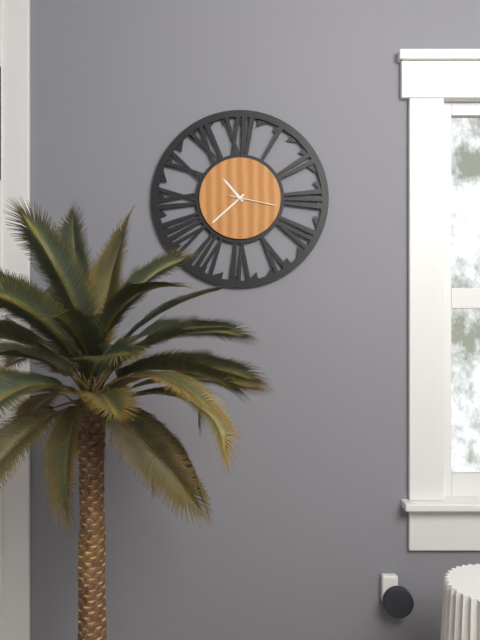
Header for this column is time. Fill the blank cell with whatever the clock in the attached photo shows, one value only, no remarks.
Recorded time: 10:38
